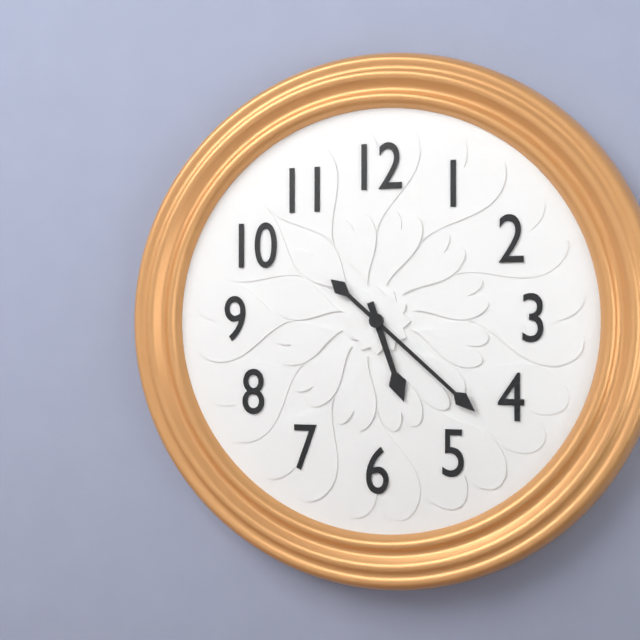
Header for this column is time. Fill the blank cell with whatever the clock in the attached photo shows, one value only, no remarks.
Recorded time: 5:22
